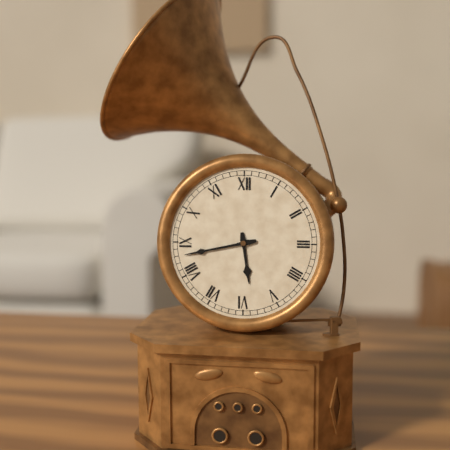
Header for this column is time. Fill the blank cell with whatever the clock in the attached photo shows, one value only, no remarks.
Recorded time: 5:43
